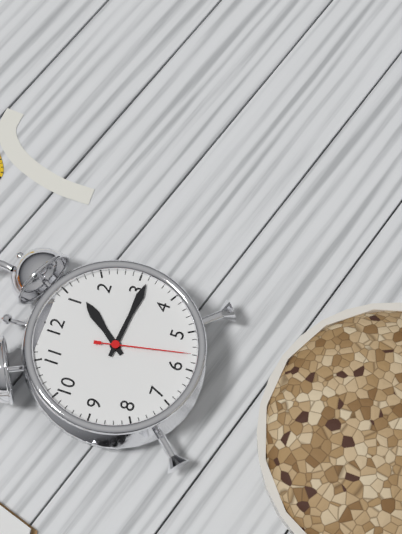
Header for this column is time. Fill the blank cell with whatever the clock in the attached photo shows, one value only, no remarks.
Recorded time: 1:16:28
